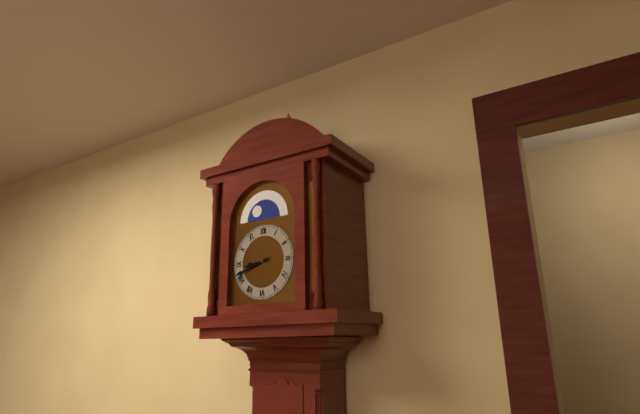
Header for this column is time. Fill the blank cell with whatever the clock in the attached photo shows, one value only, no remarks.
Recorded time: 8:42
